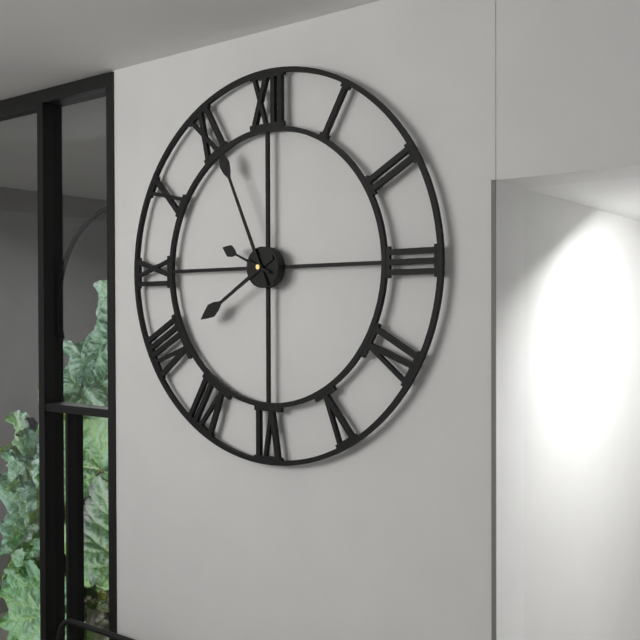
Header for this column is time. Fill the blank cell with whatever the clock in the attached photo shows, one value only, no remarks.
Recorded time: 7:56:49
